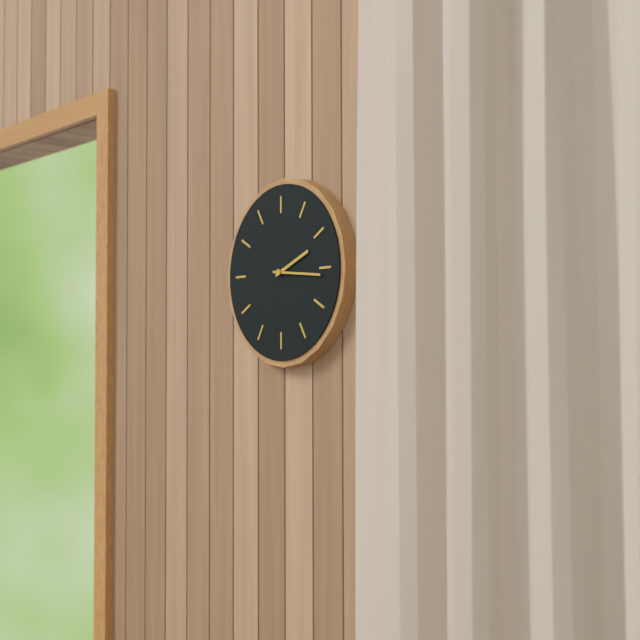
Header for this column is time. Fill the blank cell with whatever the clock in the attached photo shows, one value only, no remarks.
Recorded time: 2:16
